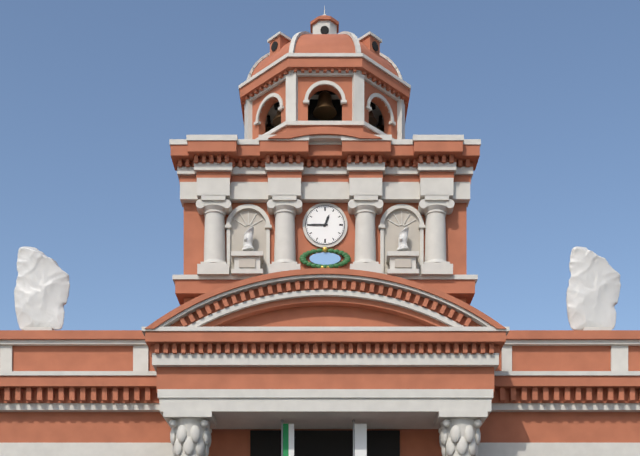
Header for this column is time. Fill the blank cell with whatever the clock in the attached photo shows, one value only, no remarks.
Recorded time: 12:45
